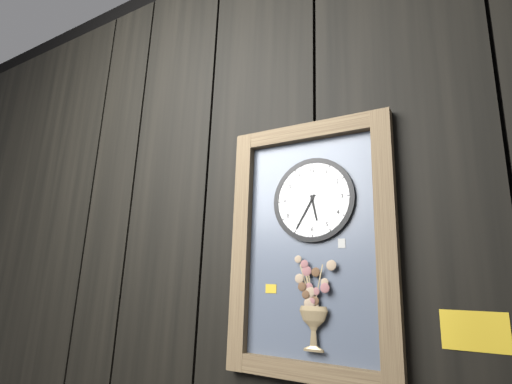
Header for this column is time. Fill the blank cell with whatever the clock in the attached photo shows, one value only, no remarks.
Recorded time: 5:35
